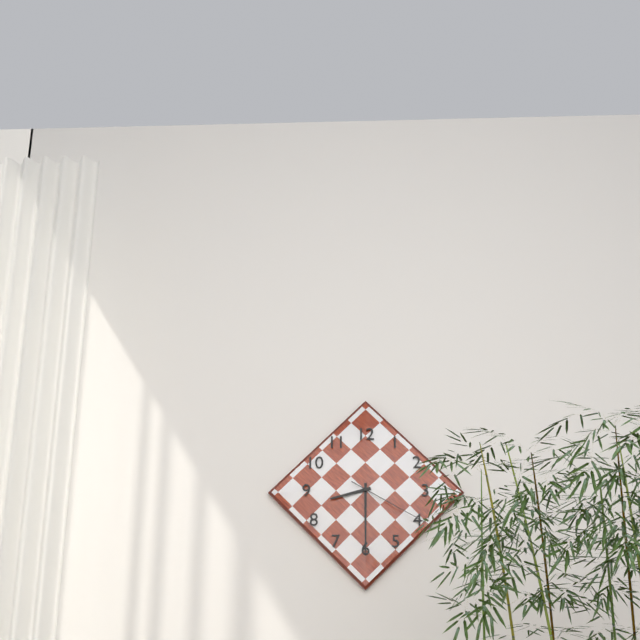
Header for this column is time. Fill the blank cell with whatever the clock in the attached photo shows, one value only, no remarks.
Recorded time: 8:30:20
